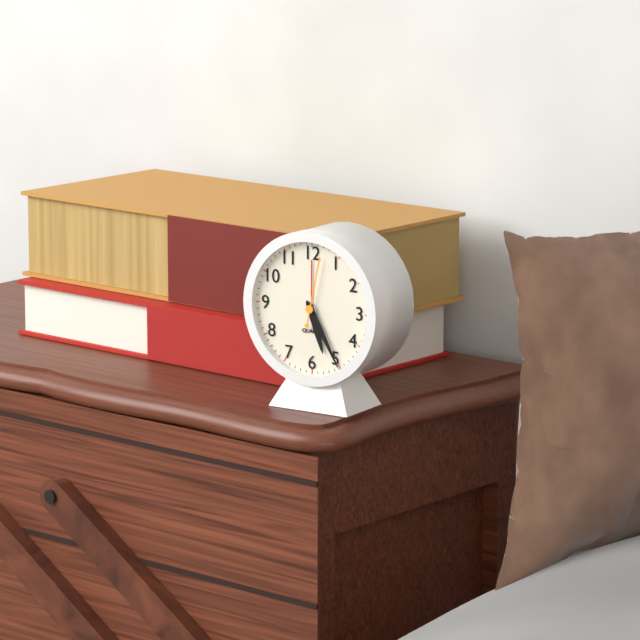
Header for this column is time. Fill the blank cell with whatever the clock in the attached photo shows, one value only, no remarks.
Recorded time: 5:25:02
